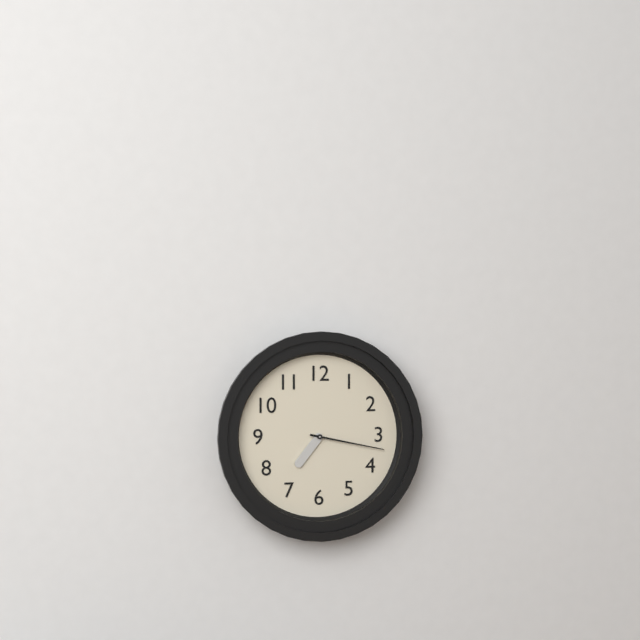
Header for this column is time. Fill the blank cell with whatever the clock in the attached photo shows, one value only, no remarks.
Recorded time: 7:17
